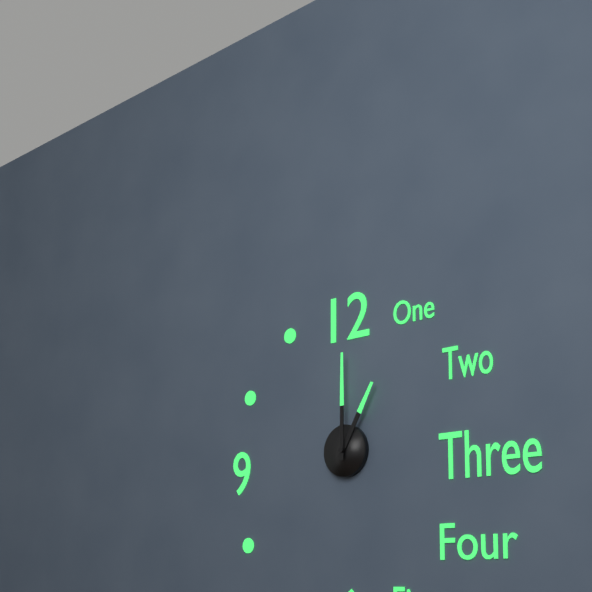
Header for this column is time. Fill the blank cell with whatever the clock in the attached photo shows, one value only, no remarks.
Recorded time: 1:00
